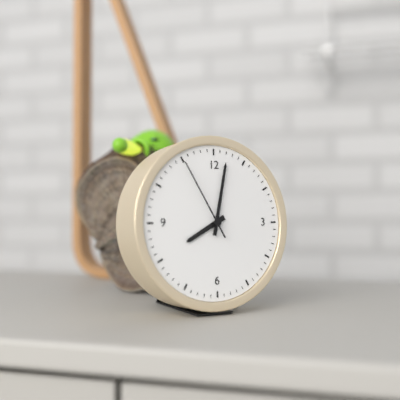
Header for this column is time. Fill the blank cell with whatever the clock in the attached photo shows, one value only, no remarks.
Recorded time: 8:02:55
